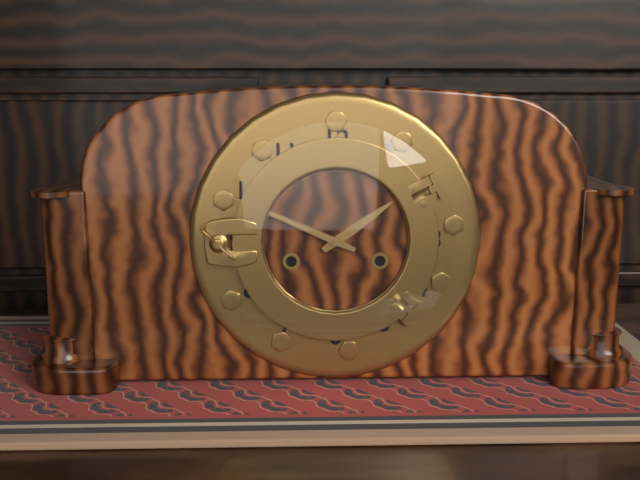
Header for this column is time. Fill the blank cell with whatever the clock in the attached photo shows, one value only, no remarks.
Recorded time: 1:49
